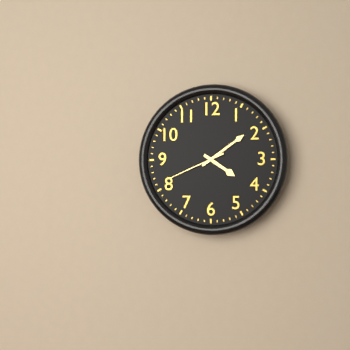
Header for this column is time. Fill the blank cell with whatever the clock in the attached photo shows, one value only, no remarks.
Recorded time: 4:09:41
